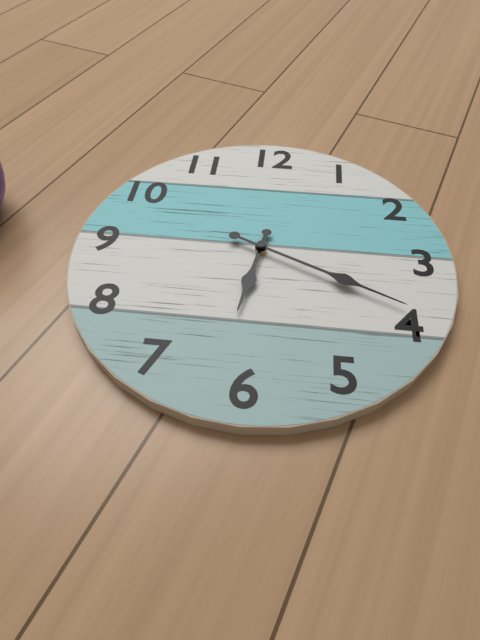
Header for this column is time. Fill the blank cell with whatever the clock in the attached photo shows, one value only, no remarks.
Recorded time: 6:19
